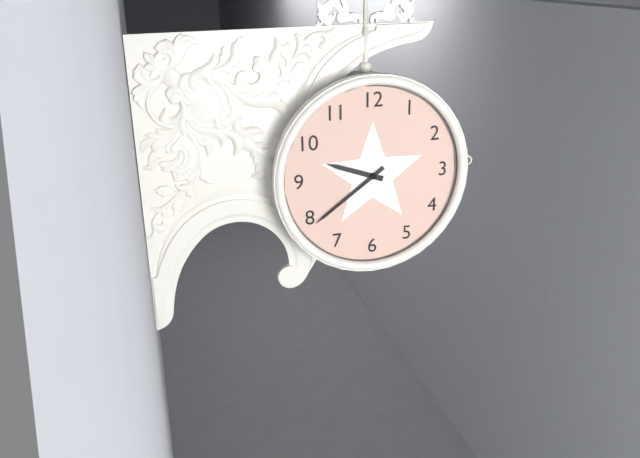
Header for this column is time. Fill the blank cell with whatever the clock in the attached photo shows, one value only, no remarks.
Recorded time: 9:39
